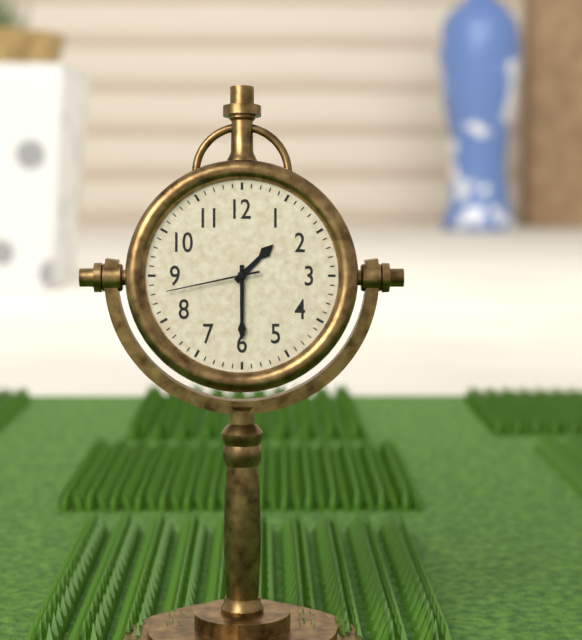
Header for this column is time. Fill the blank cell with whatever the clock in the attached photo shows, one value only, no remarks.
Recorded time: 1:30:43
